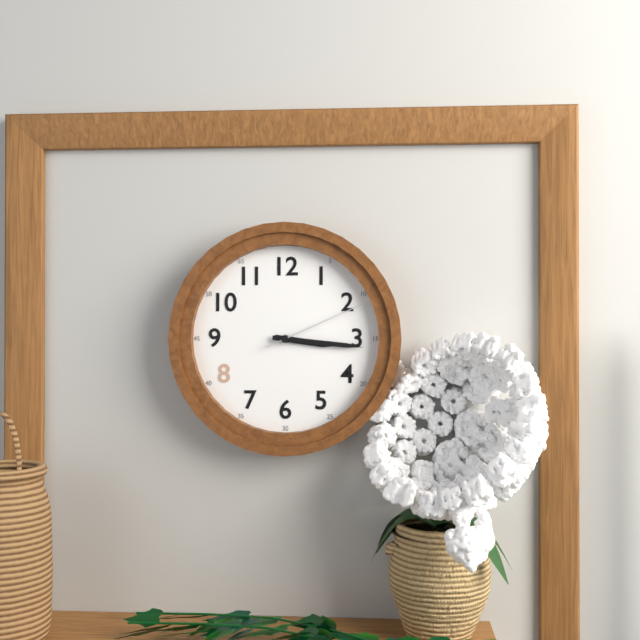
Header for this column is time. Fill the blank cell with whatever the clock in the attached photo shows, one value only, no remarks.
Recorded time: 3:16:11
